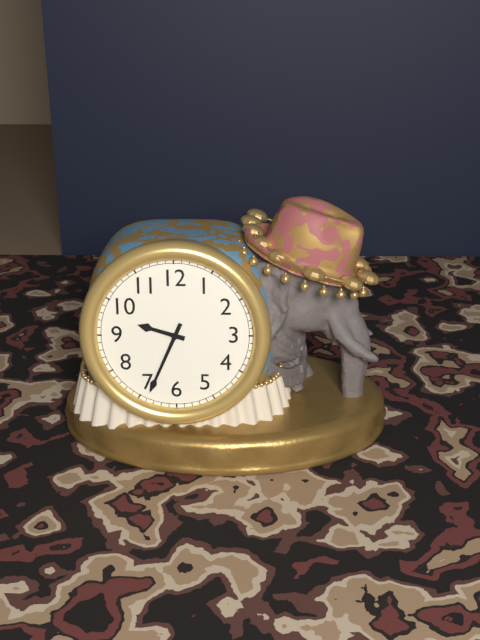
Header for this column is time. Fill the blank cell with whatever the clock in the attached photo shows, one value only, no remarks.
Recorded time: 9:34
